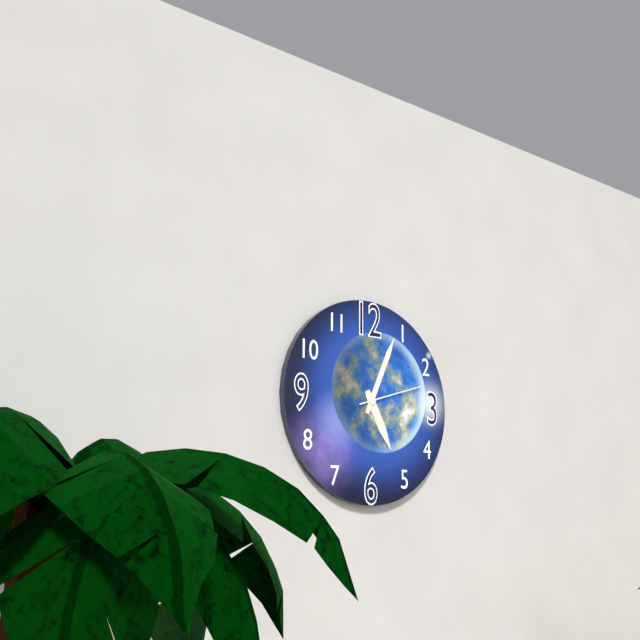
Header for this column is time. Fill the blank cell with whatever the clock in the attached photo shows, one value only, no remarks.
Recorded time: 5:04:12
